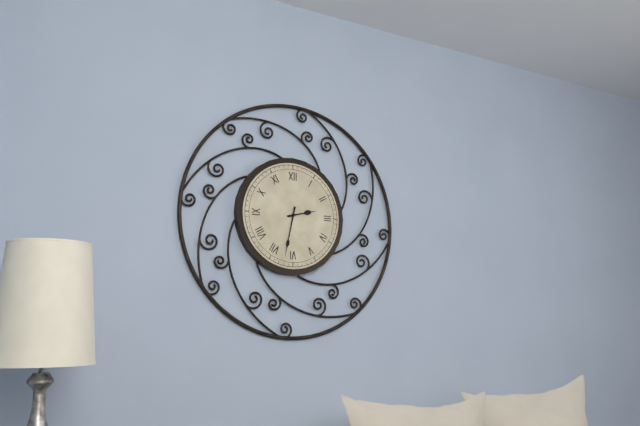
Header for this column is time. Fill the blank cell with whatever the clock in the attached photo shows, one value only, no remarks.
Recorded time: 2:32
